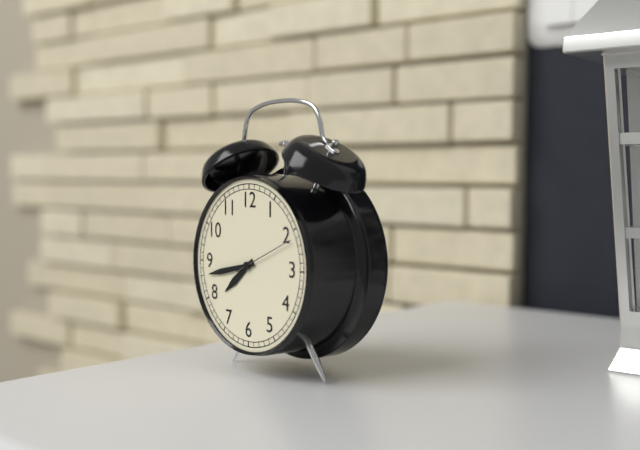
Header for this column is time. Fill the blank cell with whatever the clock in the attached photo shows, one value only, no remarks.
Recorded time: 7:43:11
